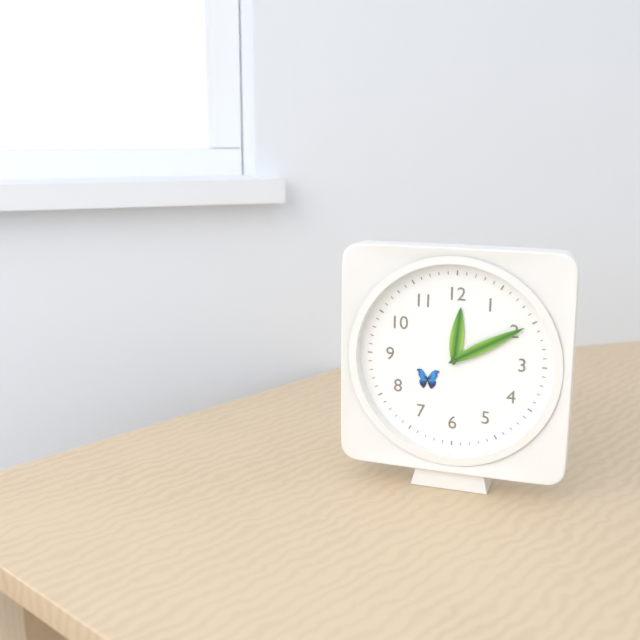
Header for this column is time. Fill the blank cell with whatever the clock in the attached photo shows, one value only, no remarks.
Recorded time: 12:10
